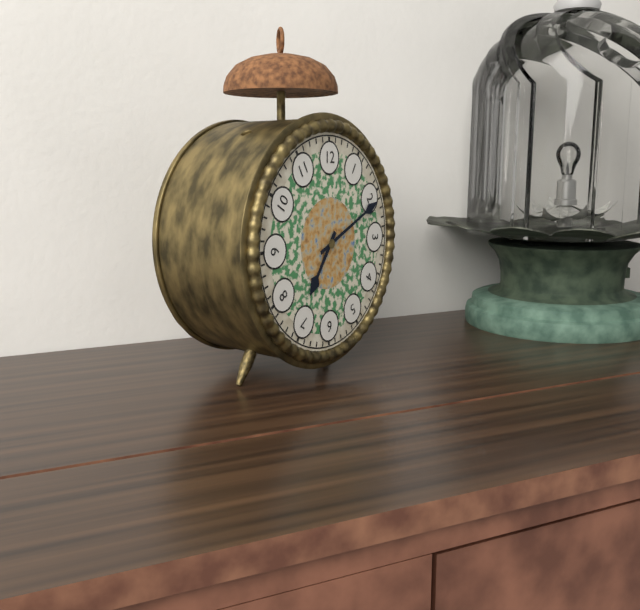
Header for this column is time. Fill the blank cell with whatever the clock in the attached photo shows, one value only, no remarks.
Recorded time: 7:11
